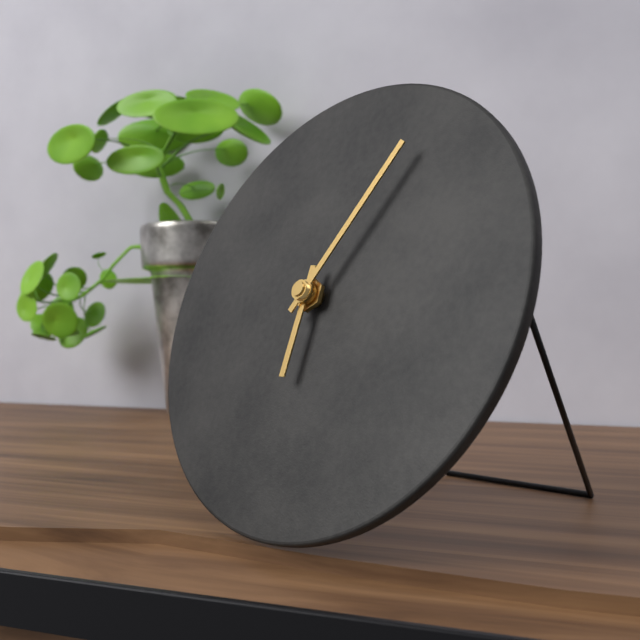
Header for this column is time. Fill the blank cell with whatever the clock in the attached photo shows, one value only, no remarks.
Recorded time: 6:05
